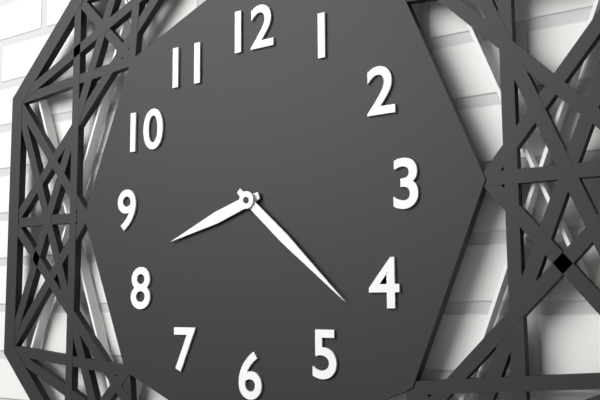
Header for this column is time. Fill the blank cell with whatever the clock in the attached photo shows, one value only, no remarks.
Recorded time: 8:22
